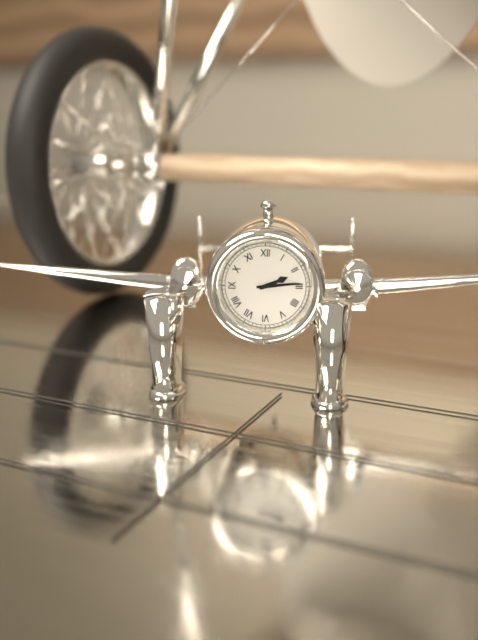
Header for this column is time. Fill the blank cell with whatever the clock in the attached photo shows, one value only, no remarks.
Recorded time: 2:14
